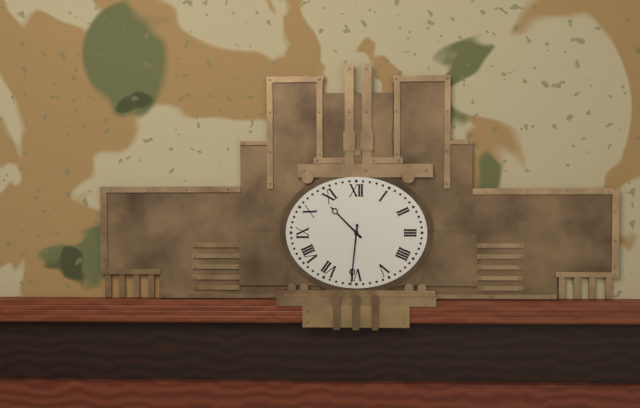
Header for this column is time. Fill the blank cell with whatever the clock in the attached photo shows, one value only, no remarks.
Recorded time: 10:31
